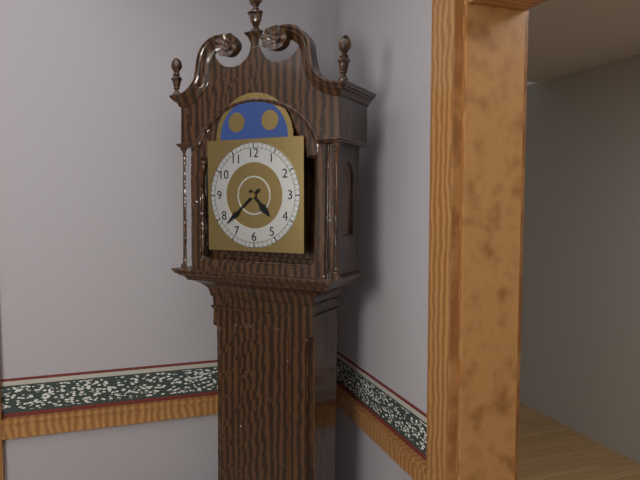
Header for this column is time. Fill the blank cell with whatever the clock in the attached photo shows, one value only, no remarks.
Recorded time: 4:38
